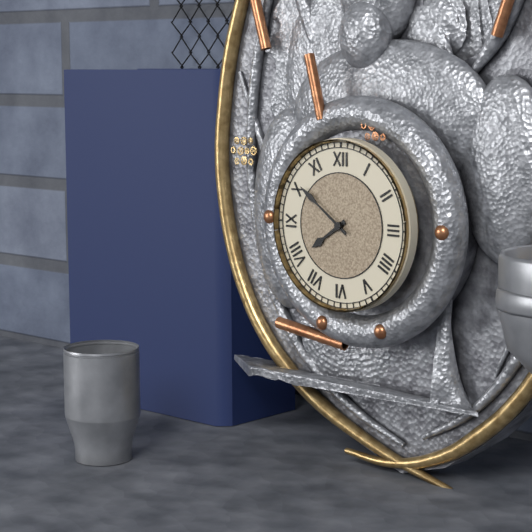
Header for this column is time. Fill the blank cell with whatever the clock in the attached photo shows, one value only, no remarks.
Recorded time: 7:51
